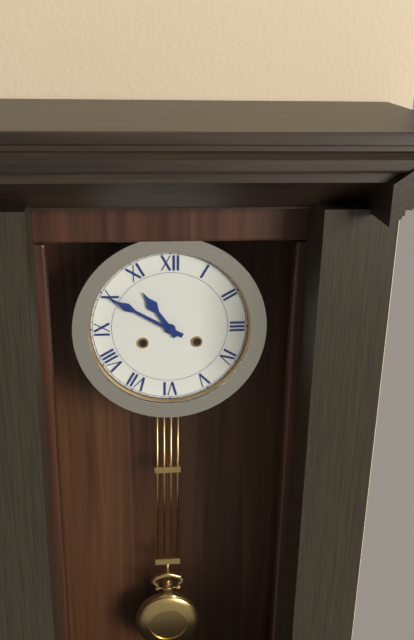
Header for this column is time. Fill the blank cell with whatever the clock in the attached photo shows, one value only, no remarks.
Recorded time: 10:50
